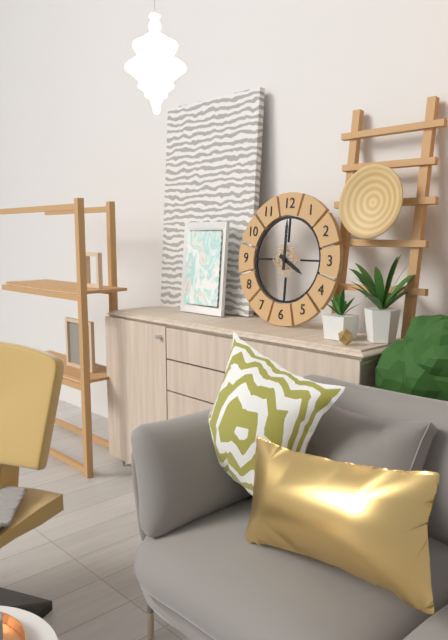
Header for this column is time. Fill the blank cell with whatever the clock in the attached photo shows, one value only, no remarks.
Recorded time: 4:00
